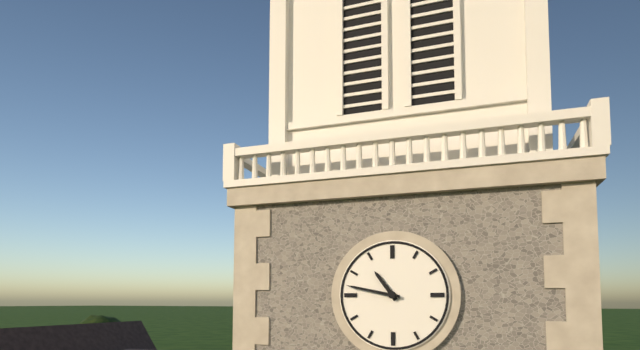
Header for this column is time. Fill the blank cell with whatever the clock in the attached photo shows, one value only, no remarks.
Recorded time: 10:47
